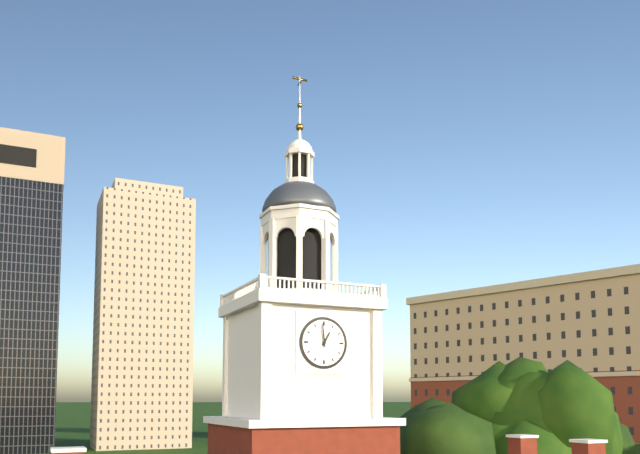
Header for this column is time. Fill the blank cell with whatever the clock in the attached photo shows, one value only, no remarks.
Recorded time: 12:59
